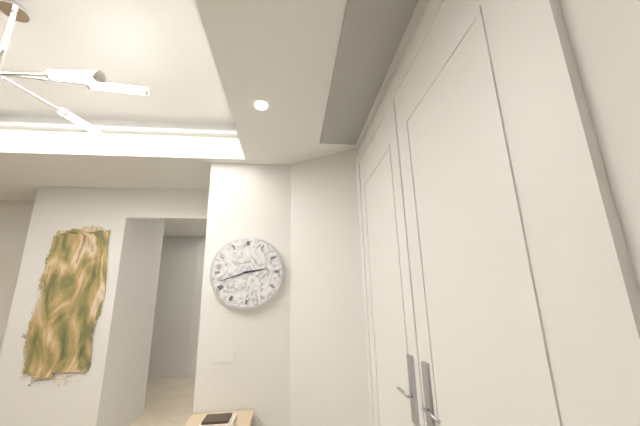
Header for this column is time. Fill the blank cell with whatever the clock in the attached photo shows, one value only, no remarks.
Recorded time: 2:42
